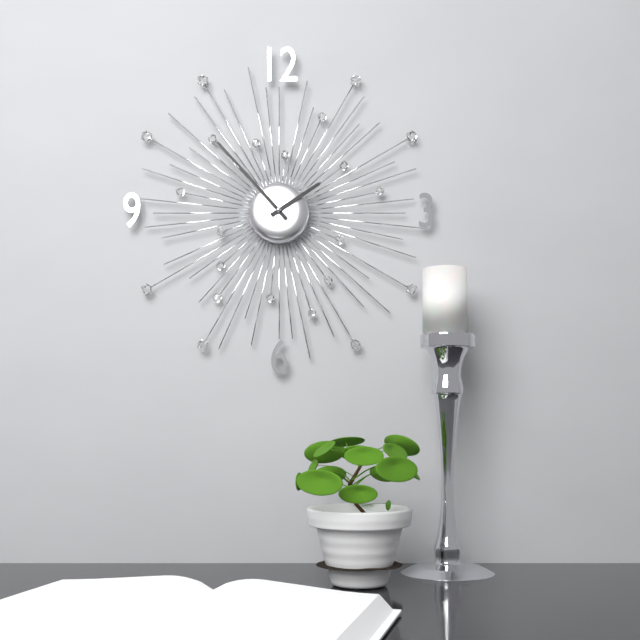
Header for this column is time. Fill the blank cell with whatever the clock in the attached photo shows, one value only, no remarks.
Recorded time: 1:53
